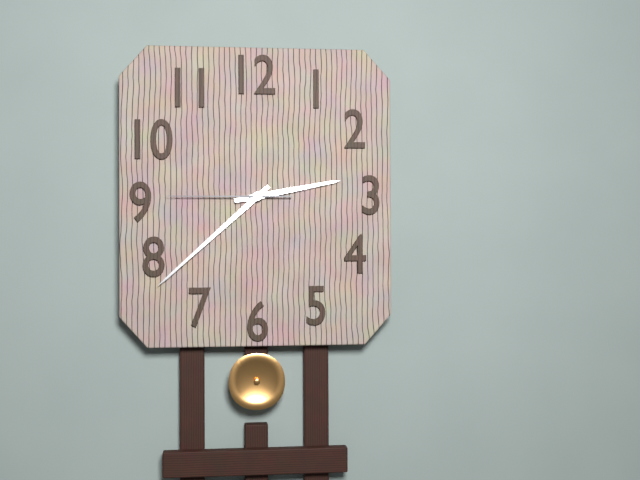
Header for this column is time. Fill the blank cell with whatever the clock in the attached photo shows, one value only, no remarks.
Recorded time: 2:38:45
